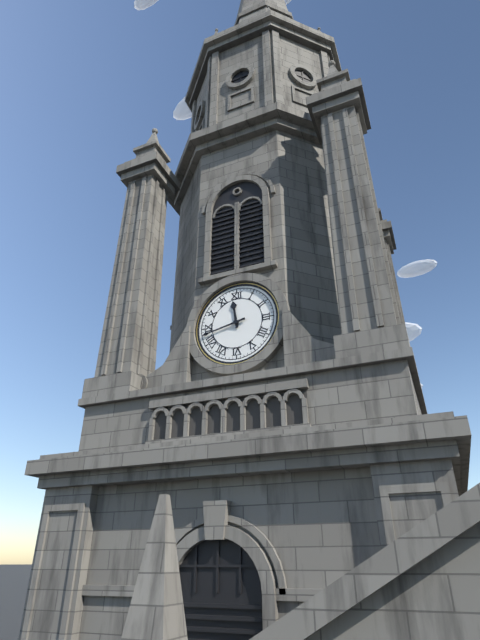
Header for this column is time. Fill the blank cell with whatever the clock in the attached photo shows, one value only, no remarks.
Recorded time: 11:43
